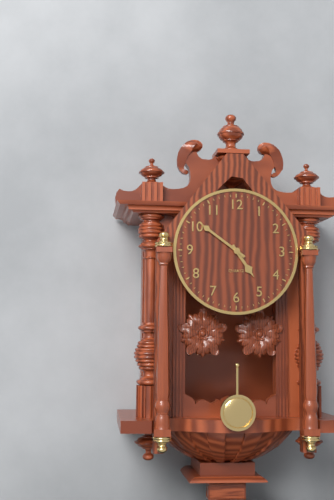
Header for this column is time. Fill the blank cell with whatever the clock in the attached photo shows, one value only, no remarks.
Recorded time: 4:51
